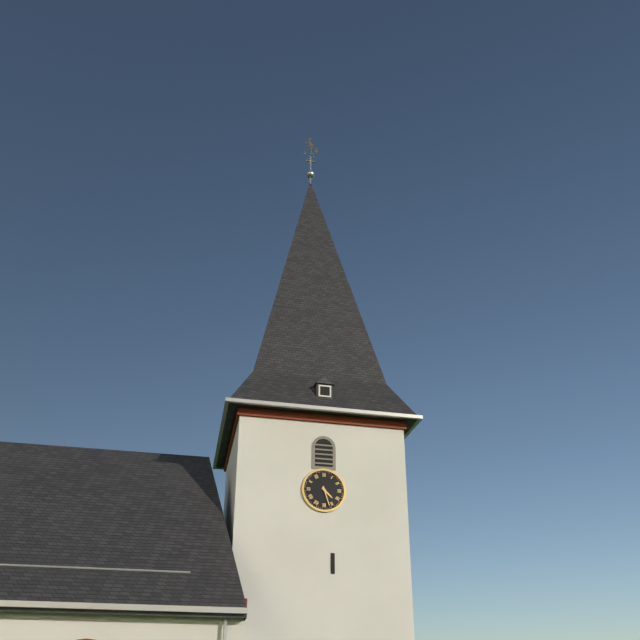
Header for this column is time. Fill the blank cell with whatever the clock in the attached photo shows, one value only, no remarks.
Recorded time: 4:27
